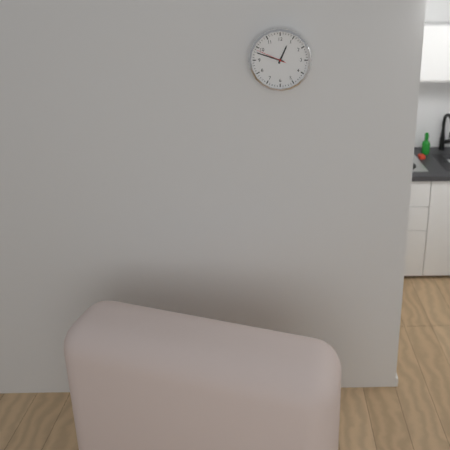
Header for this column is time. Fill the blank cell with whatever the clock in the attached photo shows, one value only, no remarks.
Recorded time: 12:48
